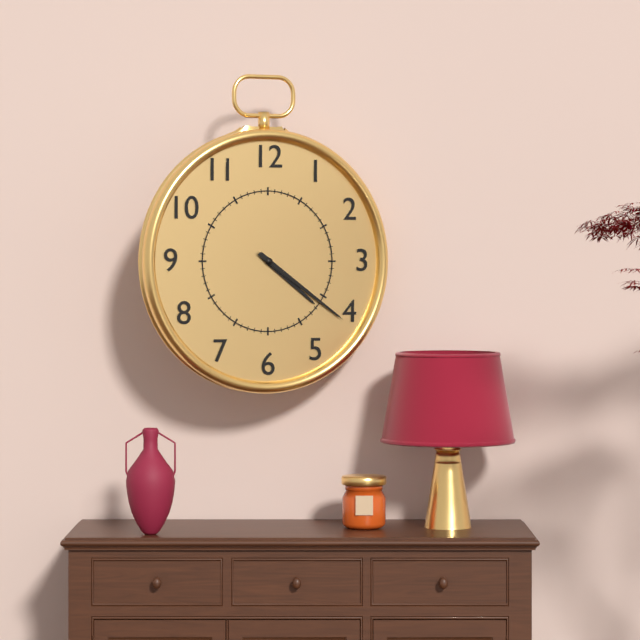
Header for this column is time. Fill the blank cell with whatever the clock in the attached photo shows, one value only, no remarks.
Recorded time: 4:21
